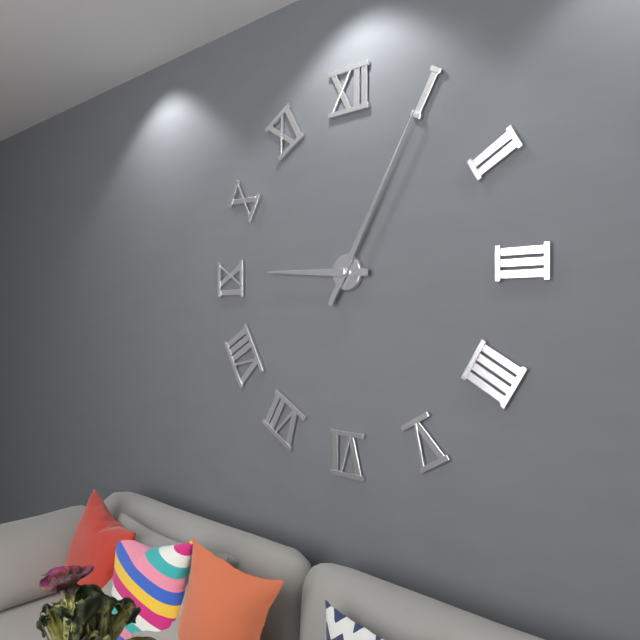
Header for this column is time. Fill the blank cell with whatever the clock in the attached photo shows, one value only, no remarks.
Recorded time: 9:05
